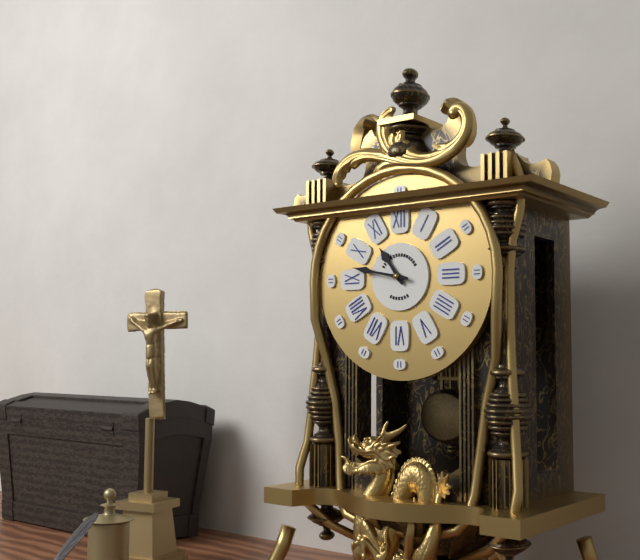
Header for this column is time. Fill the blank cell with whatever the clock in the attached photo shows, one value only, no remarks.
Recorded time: 10:47
